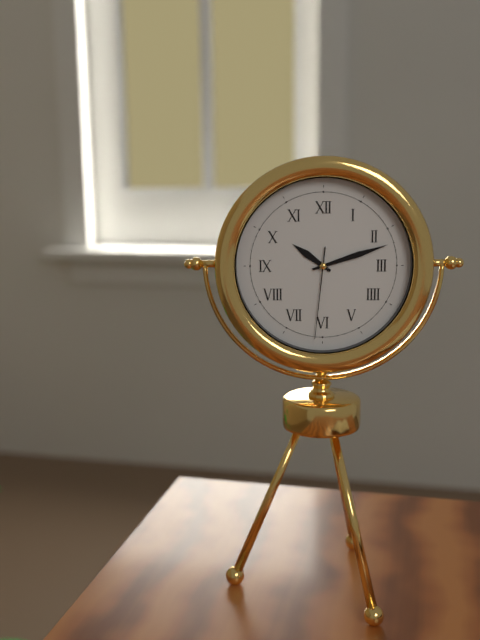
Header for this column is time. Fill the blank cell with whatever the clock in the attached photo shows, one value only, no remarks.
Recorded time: 10:12:31
